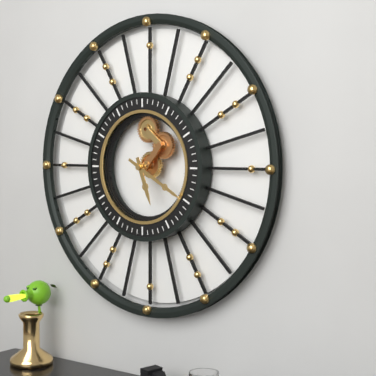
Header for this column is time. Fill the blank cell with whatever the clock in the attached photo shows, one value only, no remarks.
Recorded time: 5:20
